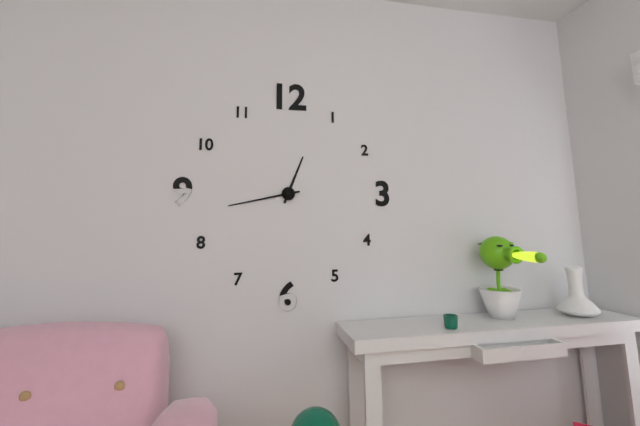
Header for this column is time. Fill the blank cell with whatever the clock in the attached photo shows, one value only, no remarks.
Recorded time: 12:43
